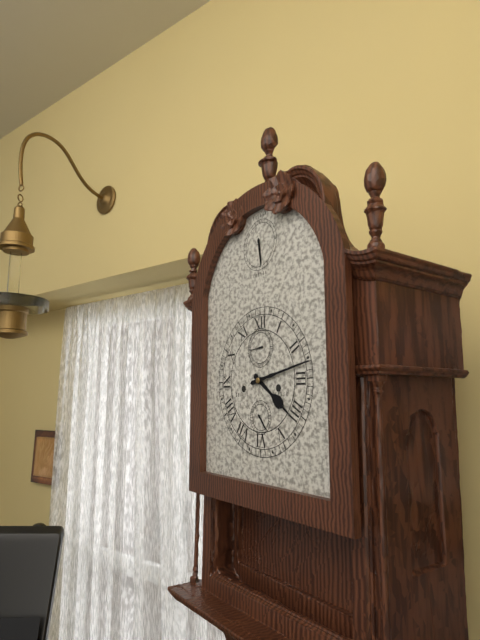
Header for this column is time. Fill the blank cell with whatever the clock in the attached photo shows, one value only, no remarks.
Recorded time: 4:13
